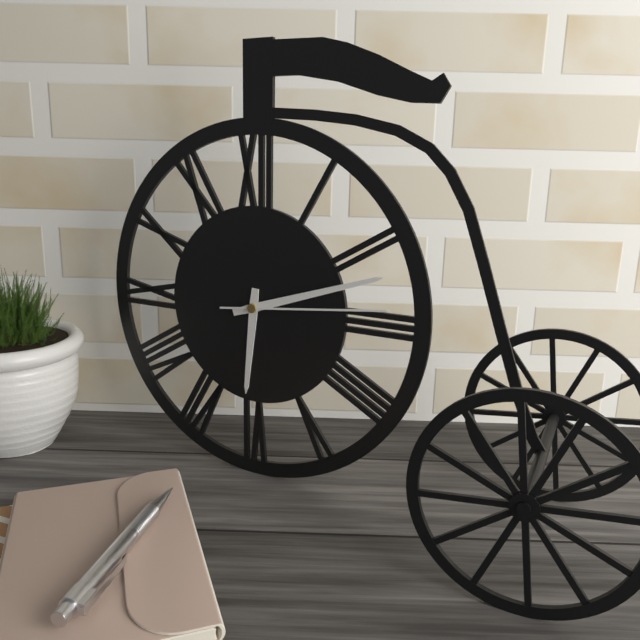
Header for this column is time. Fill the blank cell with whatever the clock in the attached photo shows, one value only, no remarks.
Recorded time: 6:12:14
